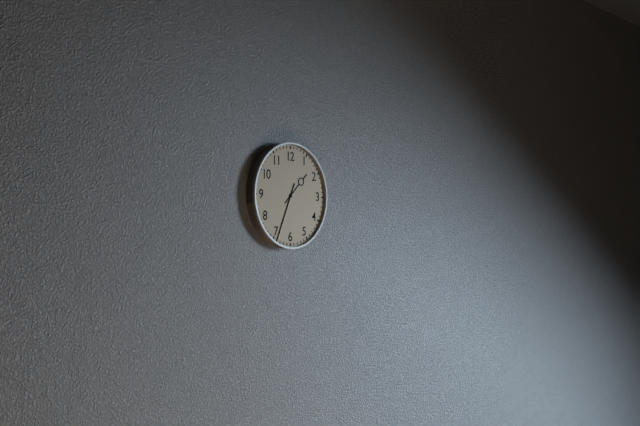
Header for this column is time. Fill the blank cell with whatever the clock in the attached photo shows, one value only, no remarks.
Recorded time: 1:34
